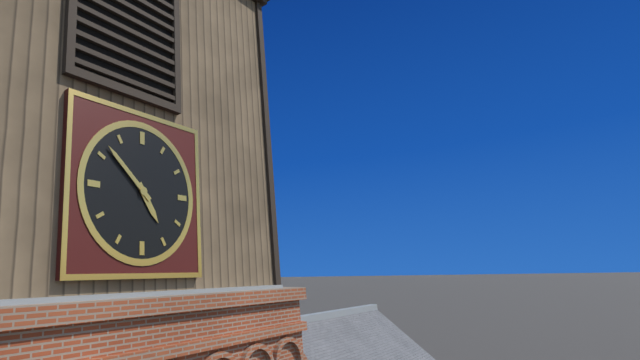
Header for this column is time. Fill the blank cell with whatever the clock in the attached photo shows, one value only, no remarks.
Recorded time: 4:52
